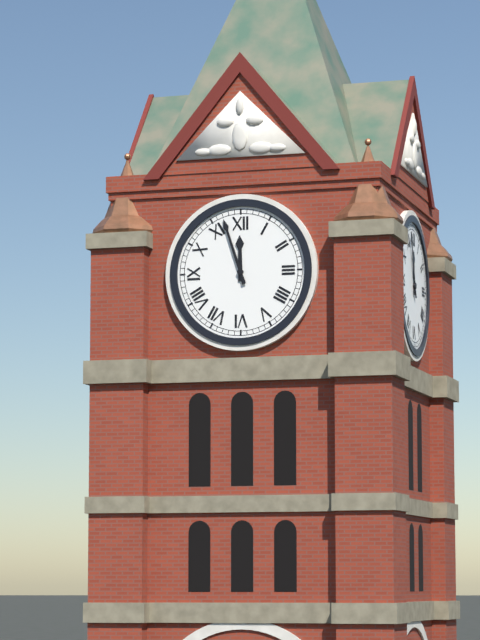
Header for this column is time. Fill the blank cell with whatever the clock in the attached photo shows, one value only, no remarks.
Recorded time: 11:57
